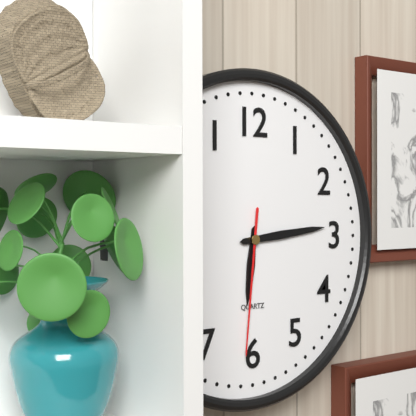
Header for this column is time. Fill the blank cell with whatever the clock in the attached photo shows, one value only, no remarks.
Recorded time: 6:14:31
